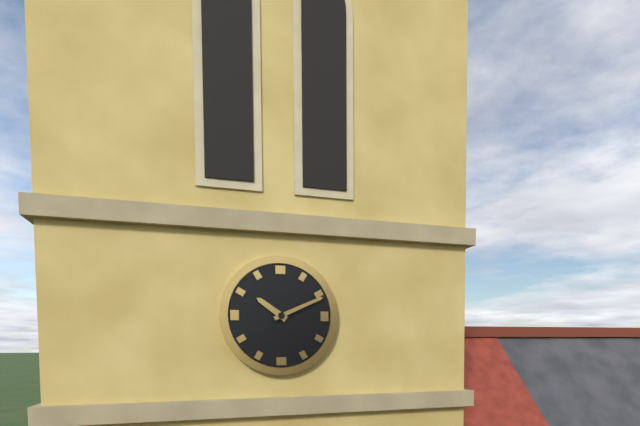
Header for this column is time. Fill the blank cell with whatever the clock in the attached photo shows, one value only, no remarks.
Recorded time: 10:11
